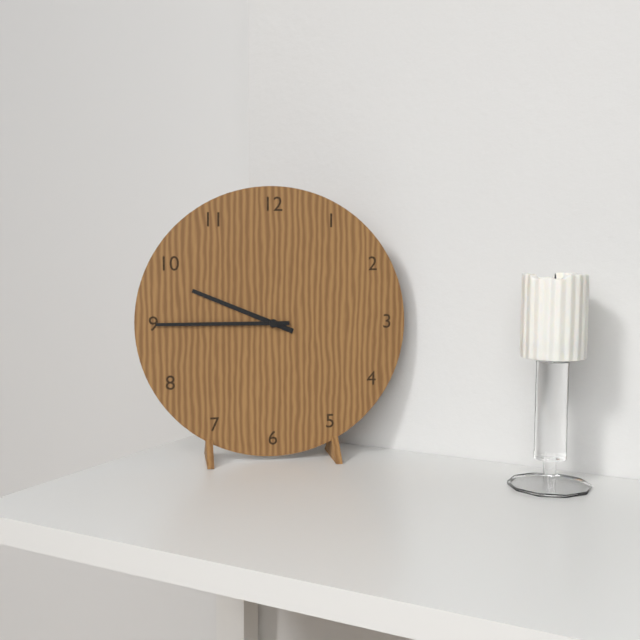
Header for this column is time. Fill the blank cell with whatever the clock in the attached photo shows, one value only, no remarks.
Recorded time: 9:45
